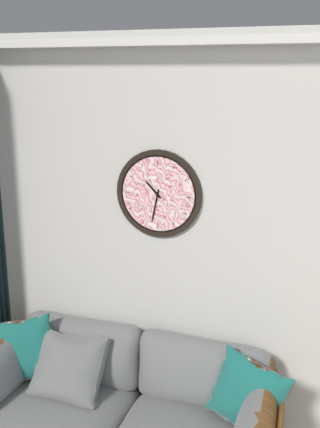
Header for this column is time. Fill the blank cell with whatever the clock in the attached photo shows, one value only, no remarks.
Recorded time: 10:32
